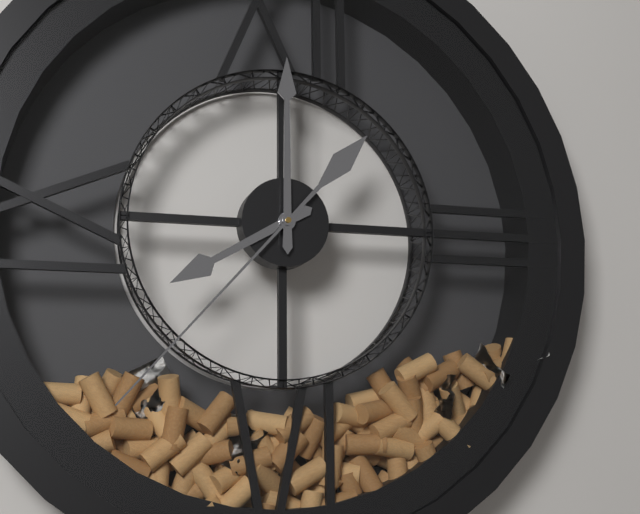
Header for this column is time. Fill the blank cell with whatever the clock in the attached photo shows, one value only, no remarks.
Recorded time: 8:00:37
